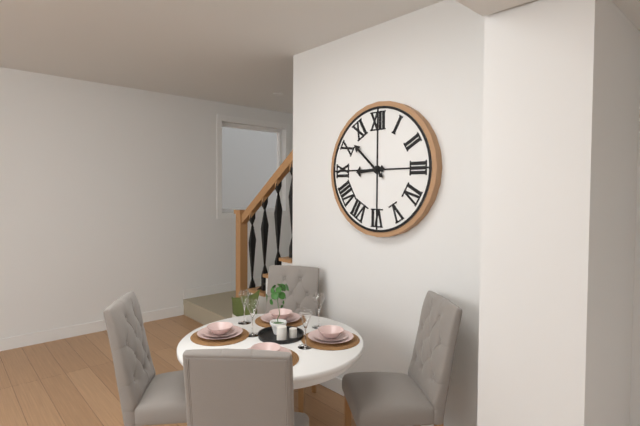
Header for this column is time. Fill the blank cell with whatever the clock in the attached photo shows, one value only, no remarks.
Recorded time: 8:52
